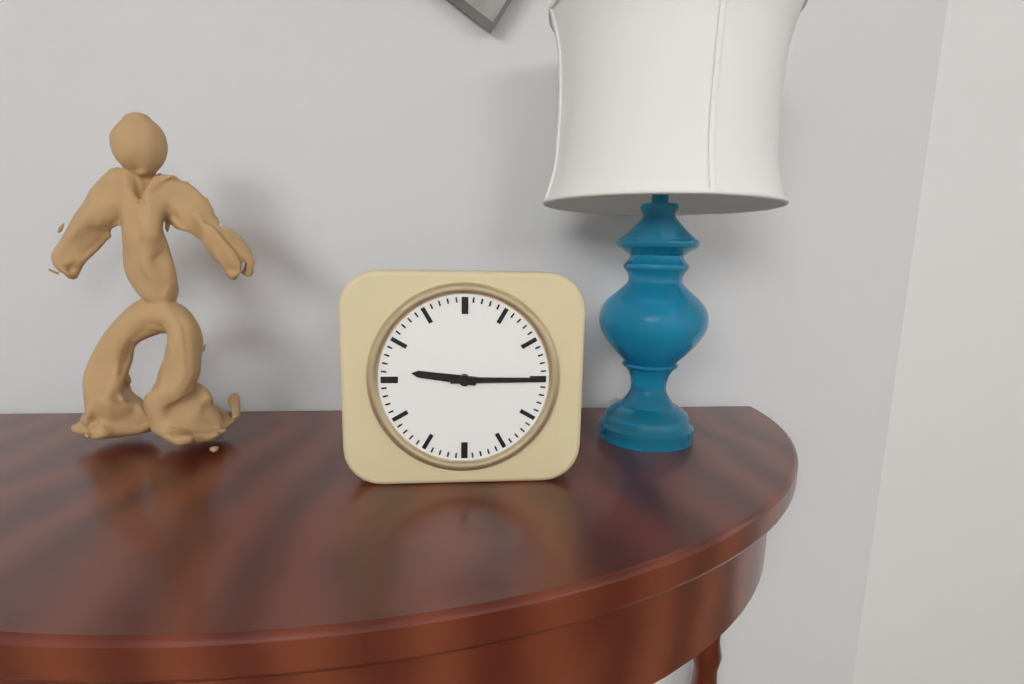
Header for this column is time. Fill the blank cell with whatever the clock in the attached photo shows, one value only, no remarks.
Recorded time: 9:15
